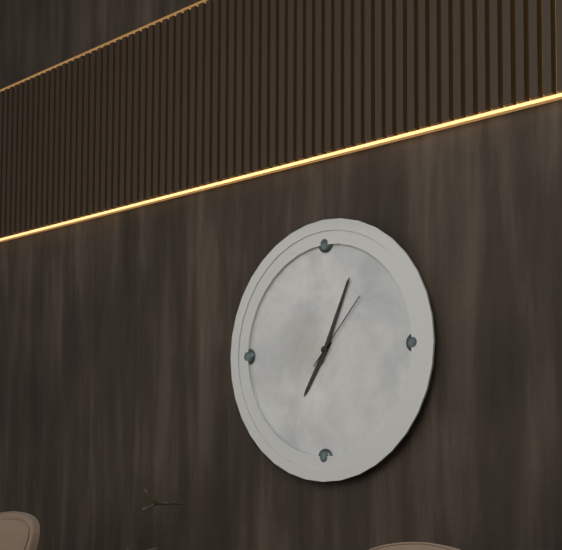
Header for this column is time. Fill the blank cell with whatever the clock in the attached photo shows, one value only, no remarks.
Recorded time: 7:04:07
